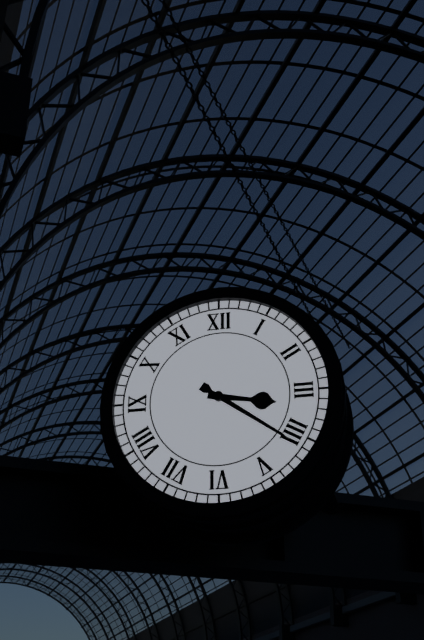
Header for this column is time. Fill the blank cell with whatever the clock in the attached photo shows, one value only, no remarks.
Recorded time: 3:21
